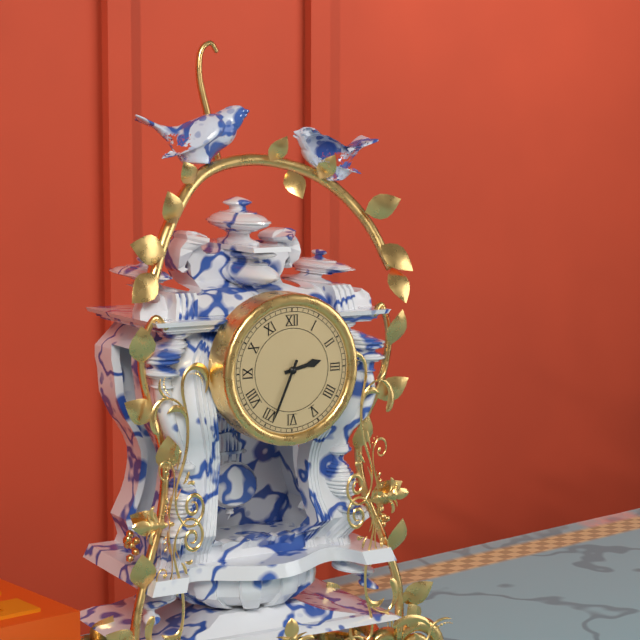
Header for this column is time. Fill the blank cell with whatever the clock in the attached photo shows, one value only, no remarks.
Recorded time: 2:34
